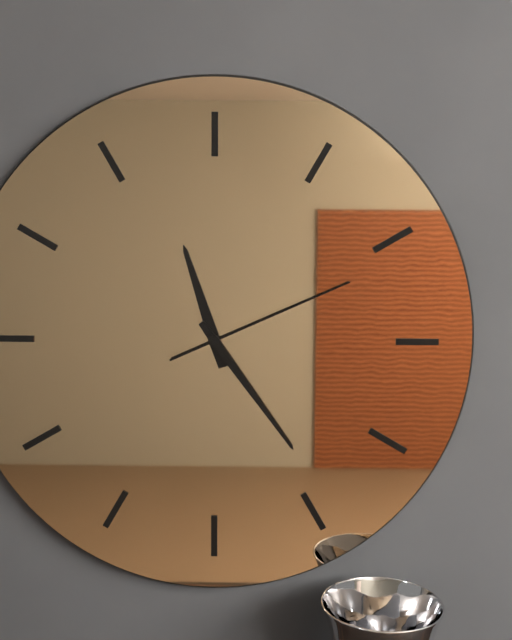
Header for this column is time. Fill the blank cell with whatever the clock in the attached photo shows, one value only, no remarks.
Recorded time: 11:24:11
